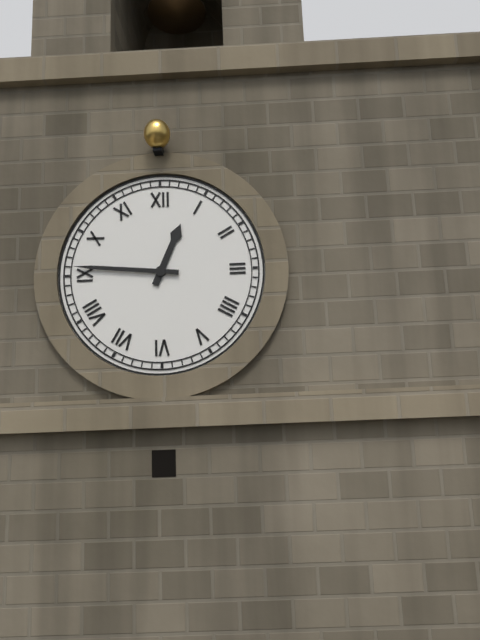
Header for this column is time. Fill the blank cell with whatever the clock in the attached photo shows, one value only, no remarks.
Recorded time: 12:46
